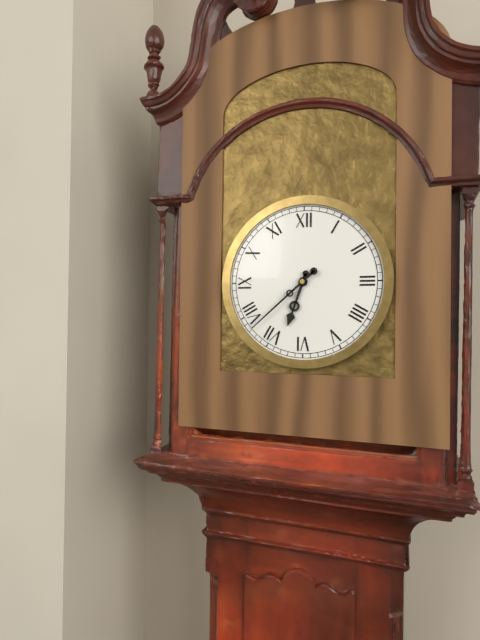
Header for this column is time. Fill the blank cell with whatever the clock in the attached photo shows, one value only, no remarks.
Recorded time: 6:38
